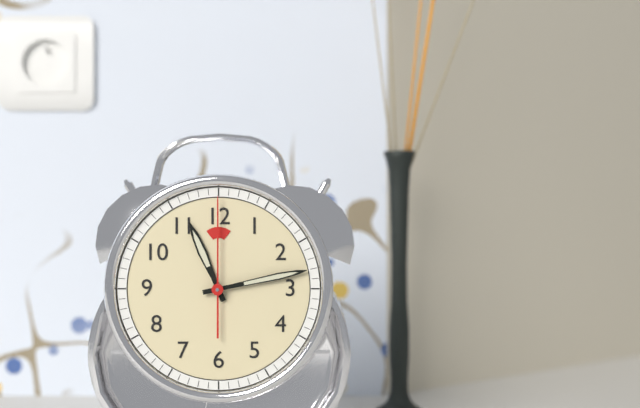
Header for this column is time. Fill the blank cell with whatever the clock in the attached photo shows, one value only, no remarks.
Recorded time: 11:13:00
